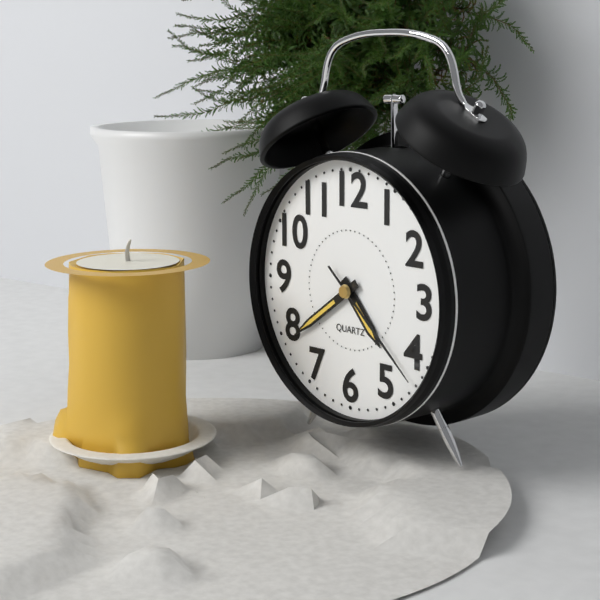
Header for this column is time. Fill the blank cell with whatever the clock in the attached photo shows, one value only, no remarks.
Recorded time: 4:39:22
